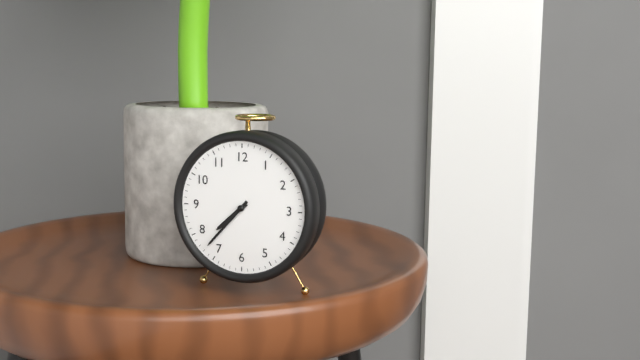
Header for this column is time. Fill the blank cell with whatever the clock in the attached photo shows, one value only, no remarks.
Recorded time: 7:37
